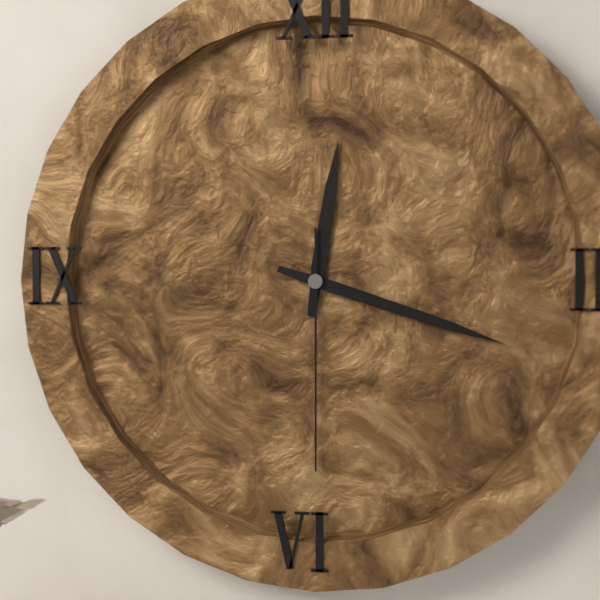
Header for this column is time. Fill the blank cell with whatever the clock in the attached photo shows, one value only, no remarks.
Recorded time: 12:18:30
